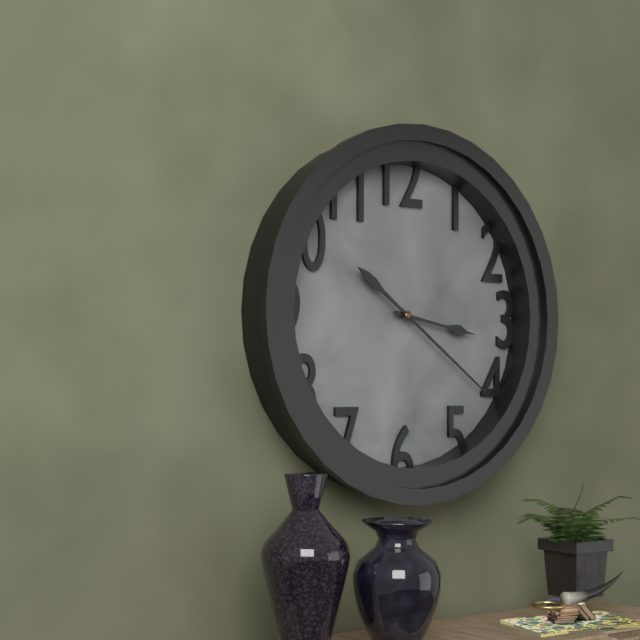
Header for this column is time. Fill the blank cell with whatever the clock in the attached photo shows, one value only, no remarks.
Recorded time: 3:21
